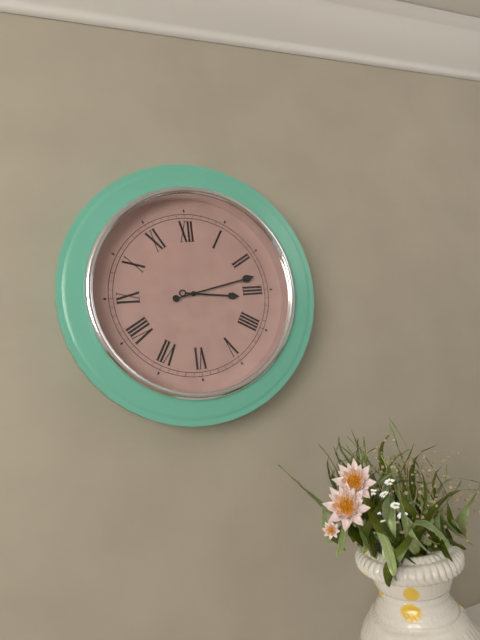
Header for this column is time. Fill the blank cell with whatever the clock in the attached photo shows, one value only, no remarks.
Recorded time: 3:13
